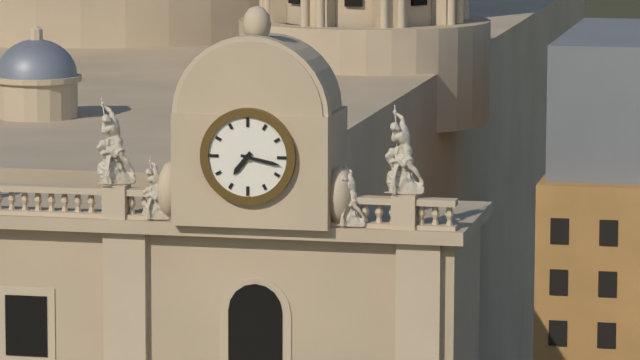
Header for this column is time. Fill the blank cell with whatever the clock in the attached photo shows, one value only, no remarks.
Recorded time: 7:17
